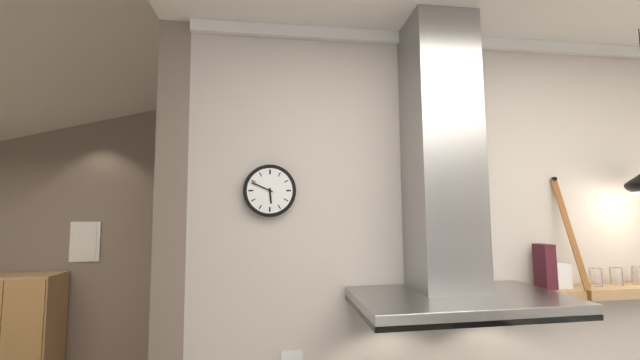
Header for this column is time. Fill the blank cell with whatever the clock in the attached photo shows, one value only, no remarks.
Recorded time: 5:49
